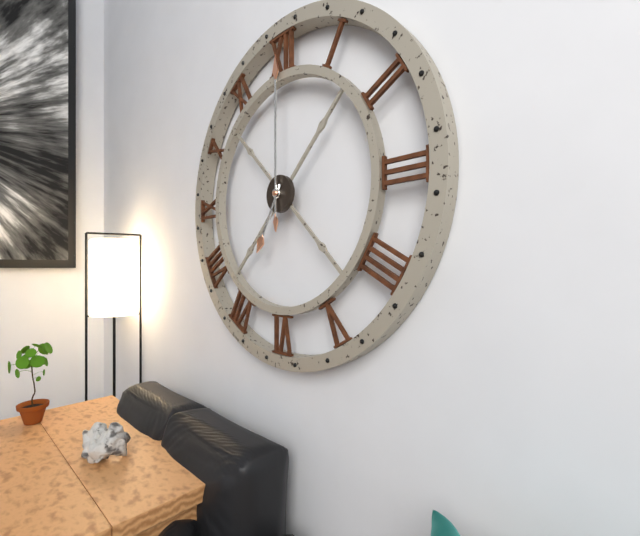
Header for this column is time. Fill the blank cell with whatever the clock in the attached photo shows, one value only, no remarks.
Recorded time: 7:00
